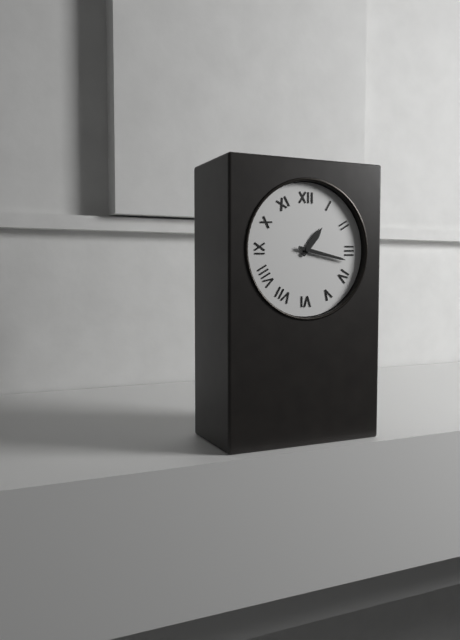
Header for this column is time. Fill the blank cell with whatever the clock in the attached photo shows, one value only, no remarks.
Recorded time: 1:17
